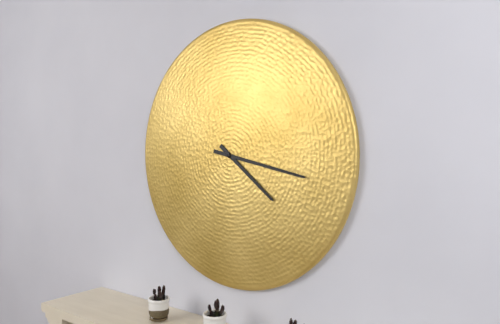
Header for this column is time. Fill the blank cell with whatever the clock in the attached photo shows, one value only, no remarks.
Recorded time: 4:17
